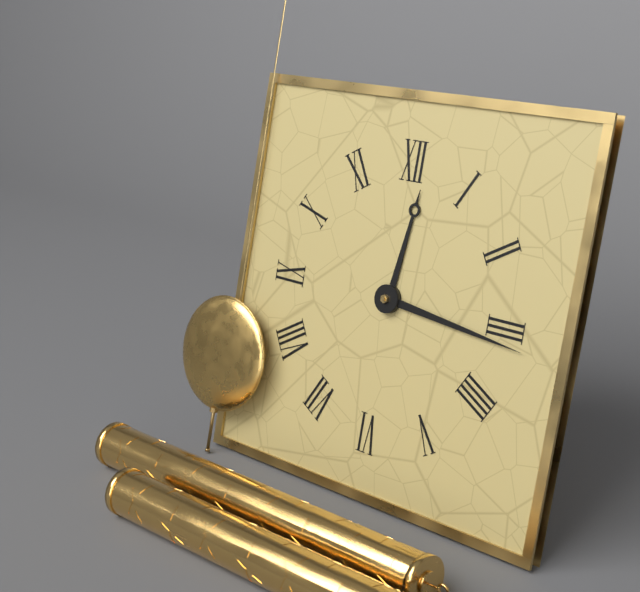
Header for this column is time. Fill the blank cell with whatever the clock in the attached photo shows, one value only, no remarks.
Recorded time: 12:16
